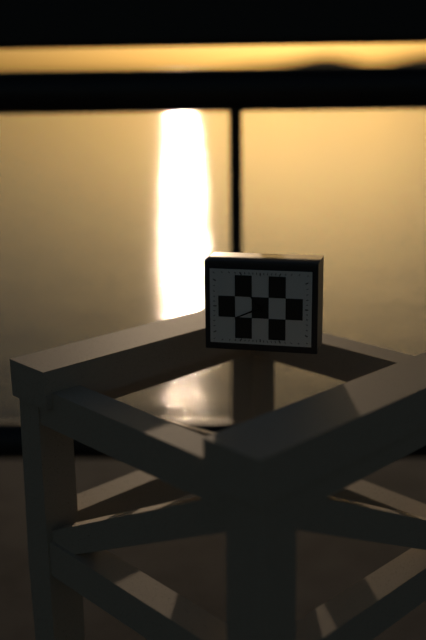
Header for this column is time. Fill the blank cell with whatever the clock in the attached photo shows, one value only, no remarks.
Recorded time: 10:41
